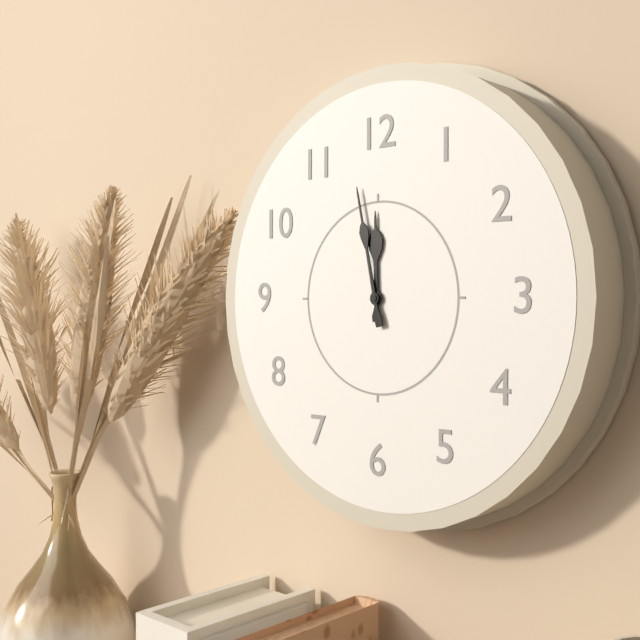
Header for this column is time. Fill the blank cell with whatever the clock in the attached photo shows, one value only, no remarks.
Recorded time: 11:58
